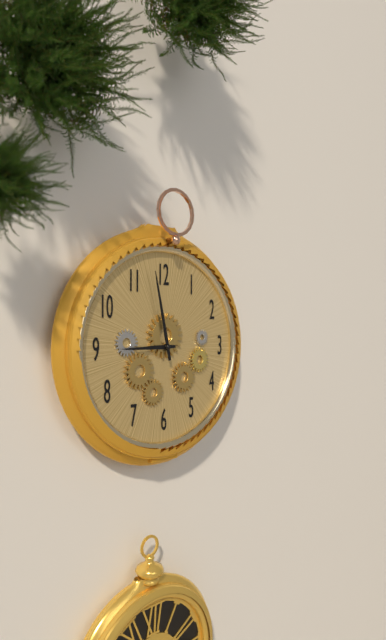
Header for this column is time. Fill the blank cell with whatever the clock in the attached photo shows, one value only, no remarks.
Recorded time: 8:58
